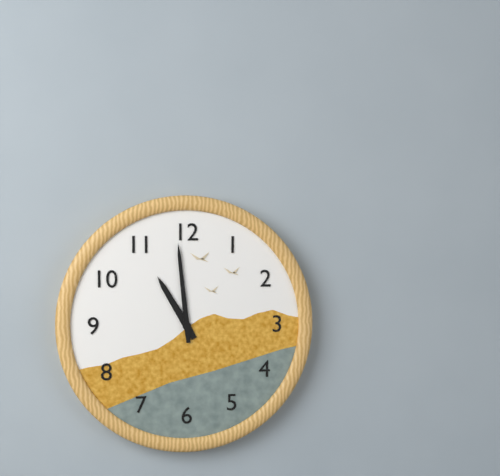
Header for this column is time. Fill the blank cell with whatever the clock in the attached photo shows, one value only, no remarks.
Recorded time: 10:59
